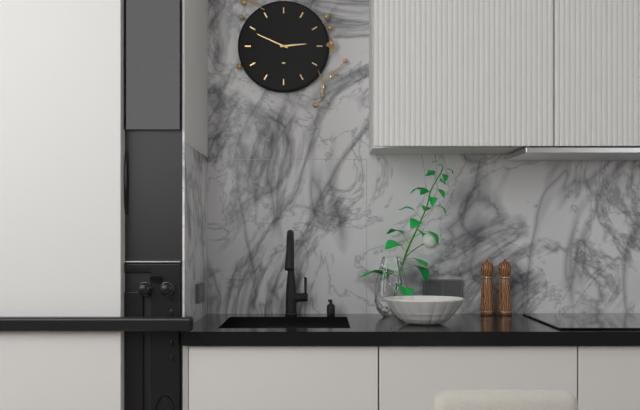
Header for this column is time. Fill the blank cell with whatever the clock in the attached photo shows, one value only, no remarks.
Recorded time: 2:49
